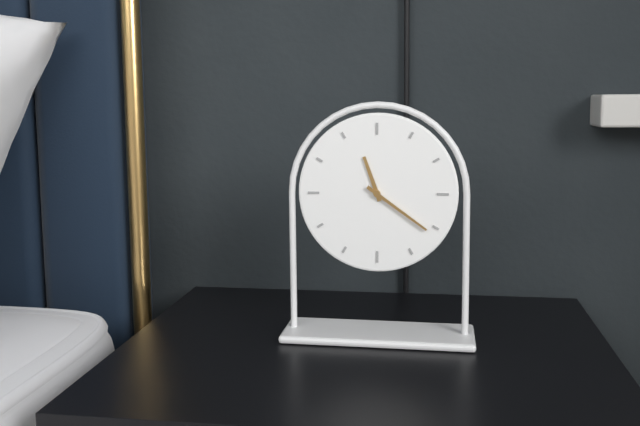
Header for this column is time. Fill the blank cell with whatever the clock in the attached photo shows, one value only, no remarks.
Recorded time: 11:21
